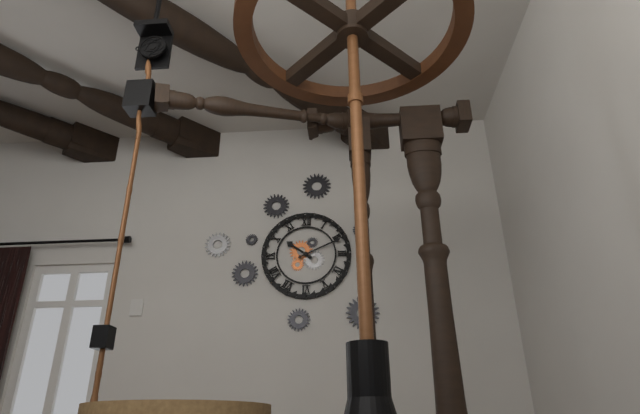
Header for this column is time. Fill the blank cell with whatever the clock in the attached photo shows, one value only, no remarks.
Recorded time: 10:11
